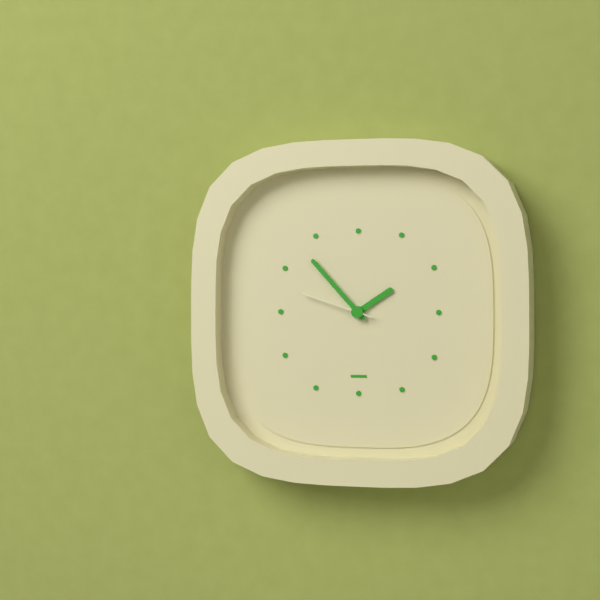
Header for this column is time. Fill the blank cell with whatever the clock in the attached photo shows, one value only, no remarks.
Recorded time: 1:53:48
